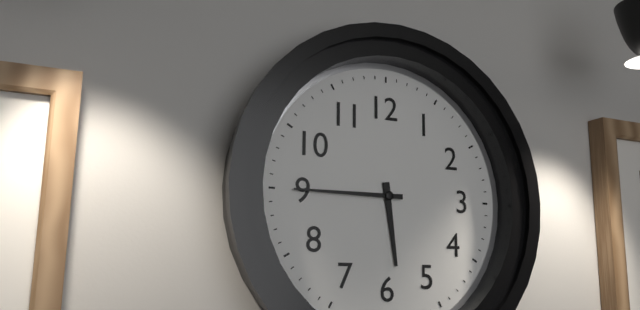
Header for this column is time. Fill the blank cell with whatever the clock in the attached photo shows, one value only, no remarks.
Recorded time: 5:45
